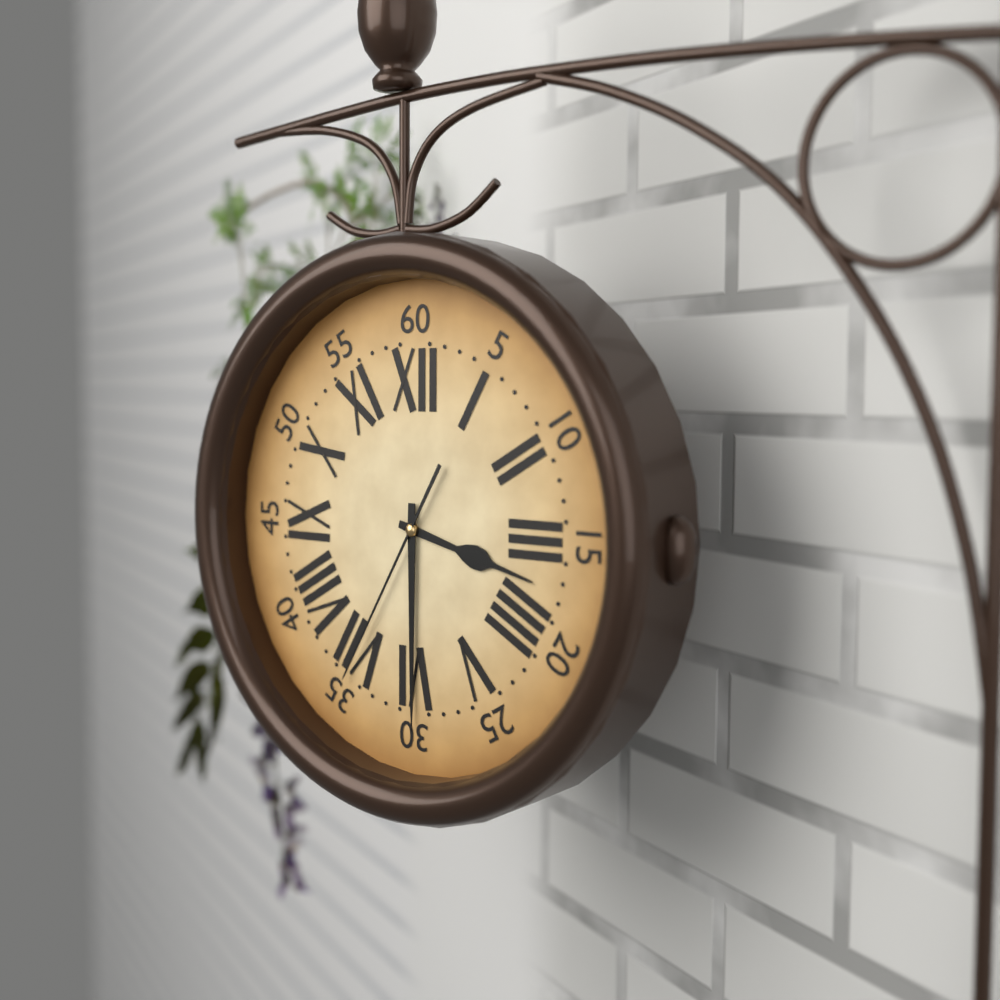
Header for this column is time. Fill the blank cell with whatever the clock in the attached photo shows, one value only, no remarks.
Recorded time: 3:30:35
